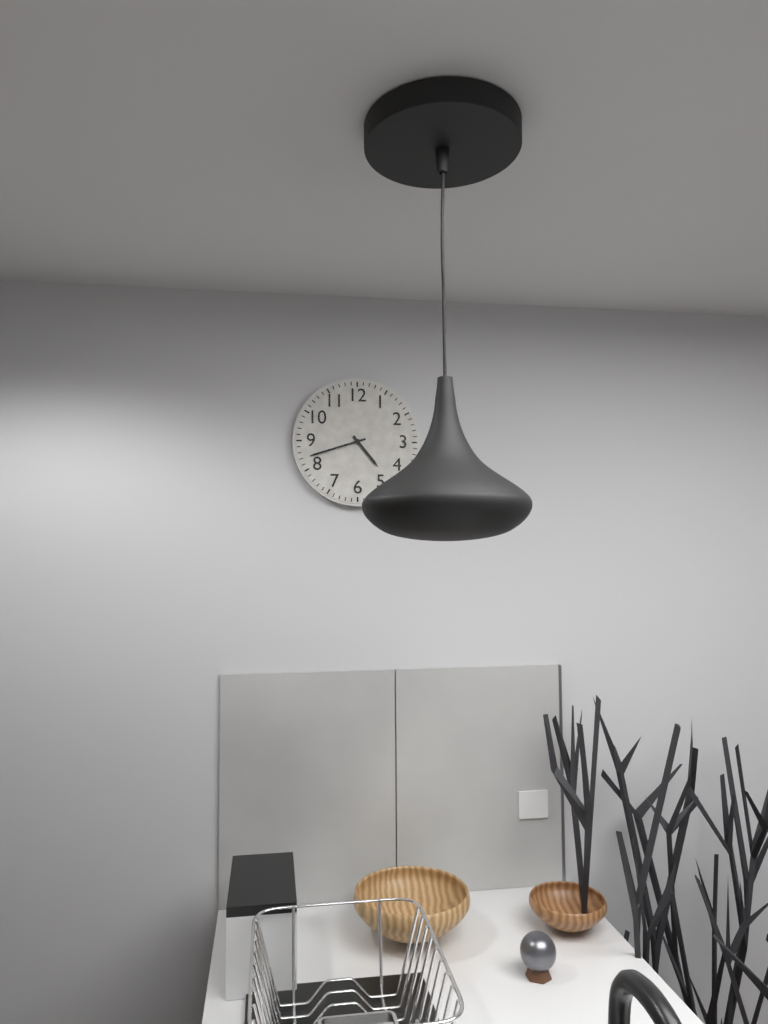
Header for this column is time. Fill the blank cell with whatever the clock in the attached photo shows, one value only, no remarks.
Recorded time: 4:42
